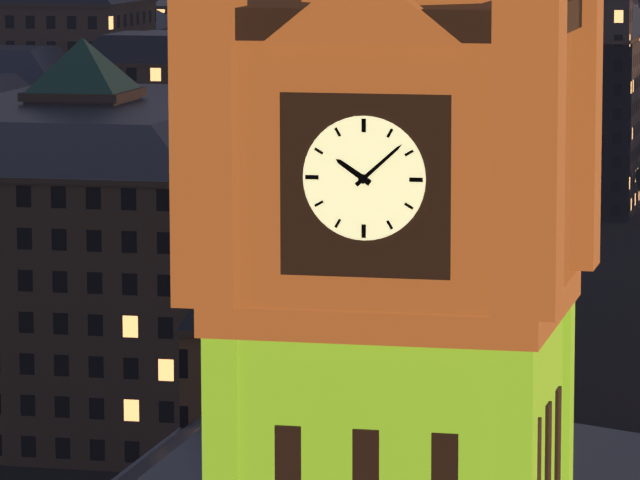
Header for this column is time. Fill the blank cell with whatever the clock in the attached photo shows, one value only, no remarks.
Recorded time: 10:08
